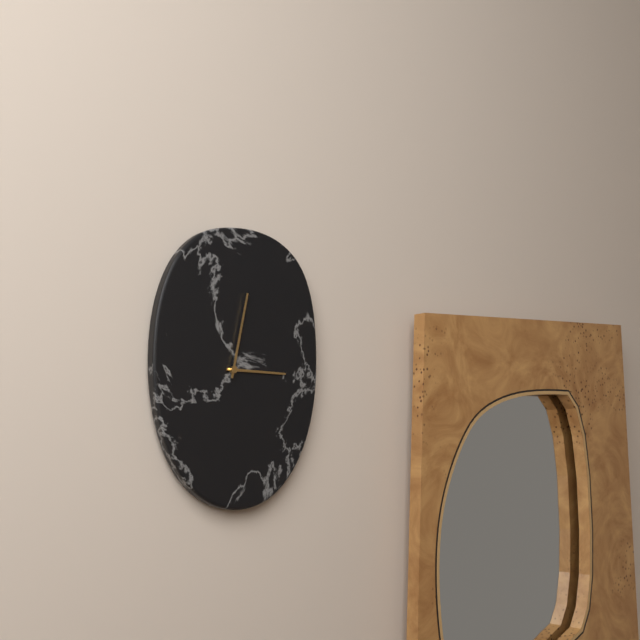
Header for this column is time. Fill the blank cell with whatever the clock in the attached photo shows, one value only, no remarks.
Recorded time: 3:02
